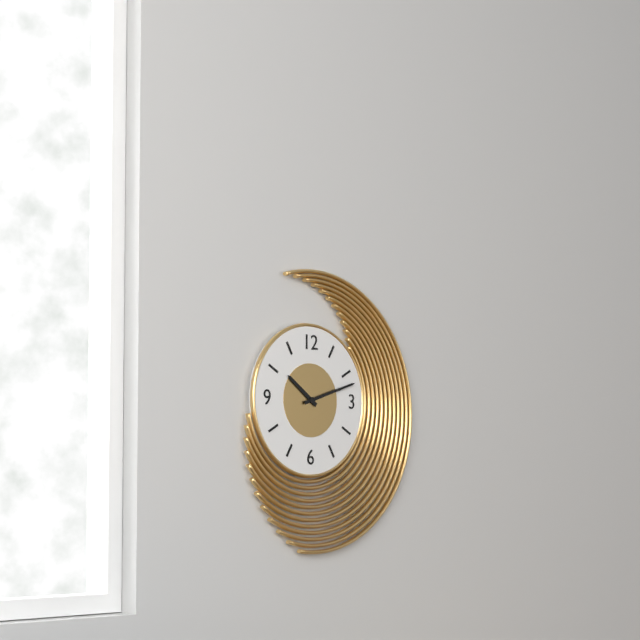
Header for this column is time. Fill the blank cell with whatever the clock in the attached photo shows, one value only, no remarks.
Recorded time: 10:12
